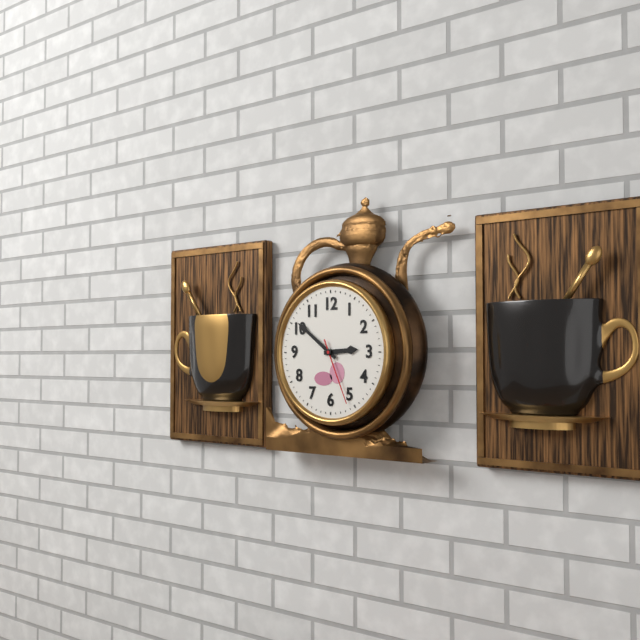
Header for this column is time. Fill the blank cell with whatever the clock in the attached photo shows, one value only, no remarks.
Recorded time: 2:51:26
